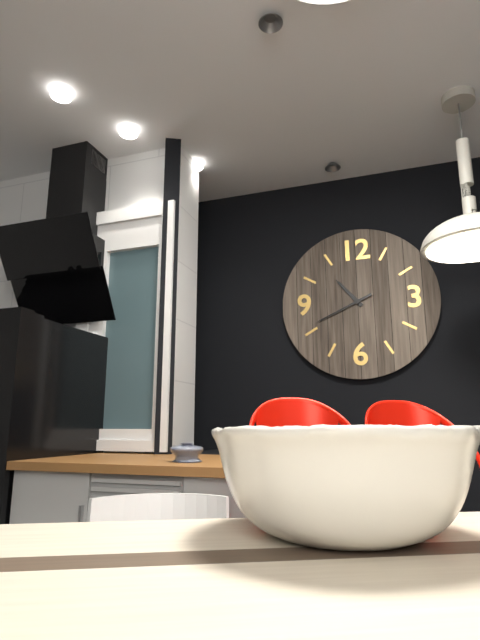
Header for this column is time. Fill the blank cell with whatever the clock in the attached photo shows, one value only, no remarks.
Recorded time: 10:41
